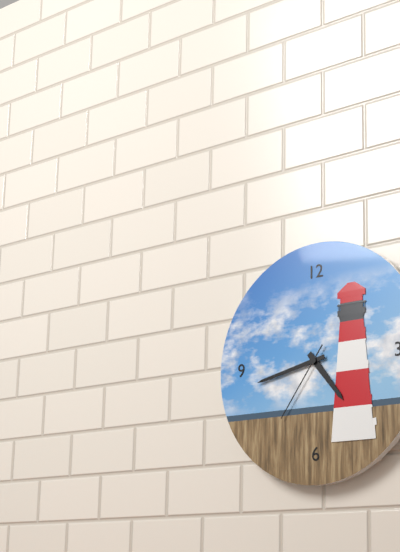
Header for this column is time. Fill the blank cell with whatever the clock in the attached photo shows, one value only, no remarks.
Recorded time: 4:43:36
